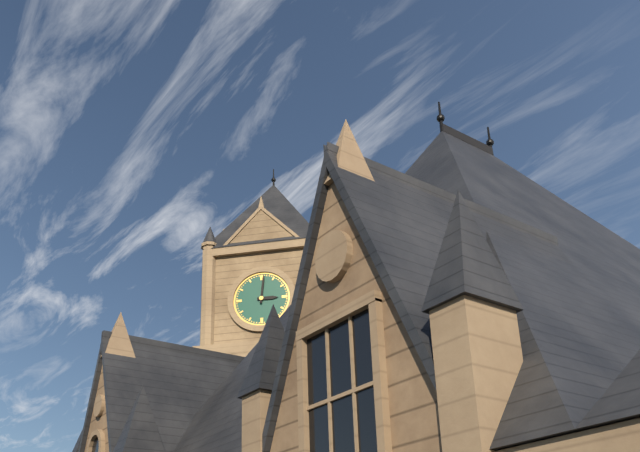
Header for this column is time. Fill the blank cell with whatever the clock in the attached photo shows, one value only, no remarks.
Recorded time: 3:01
